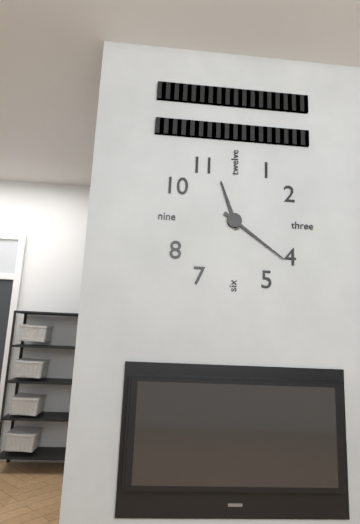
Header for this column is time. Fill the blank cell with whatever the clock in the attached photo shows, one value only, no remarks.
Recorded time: 11:21
